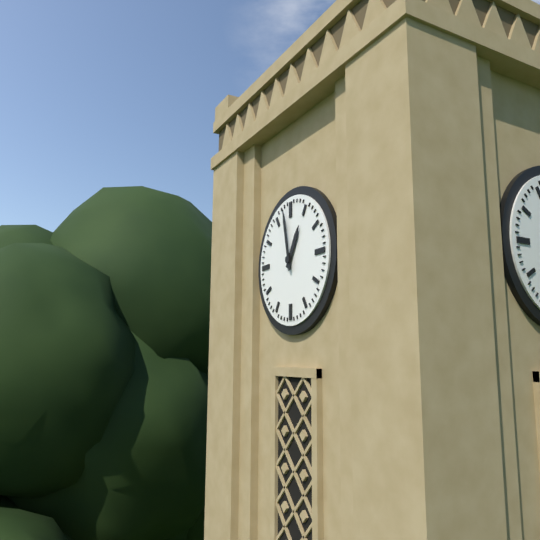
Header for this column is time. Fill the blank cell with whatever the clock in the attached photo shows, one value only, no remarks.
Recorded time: 12:58
